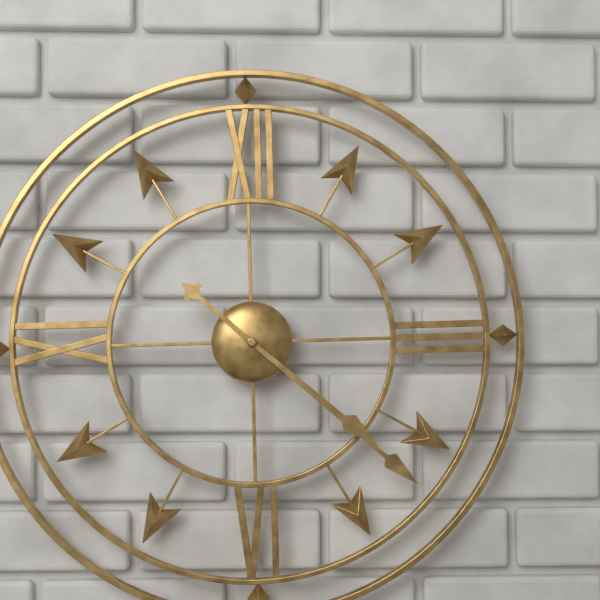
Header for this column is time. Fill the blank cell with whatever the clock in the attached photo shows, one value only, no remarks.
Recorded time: 4:22
